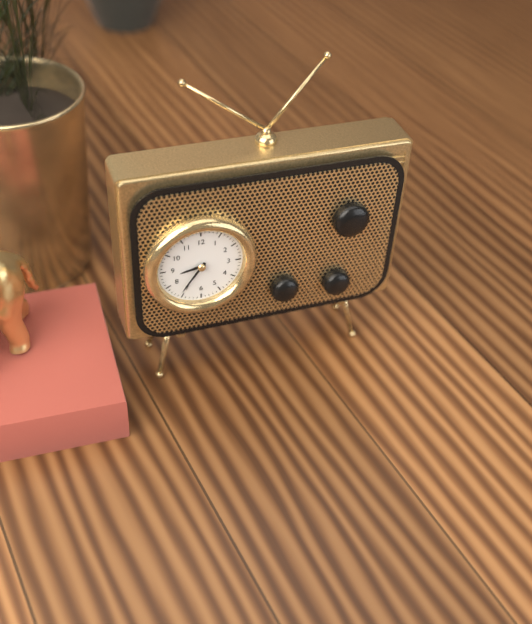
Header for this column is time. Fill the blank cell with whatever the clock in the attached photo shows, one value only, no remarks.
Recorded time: 8:36
